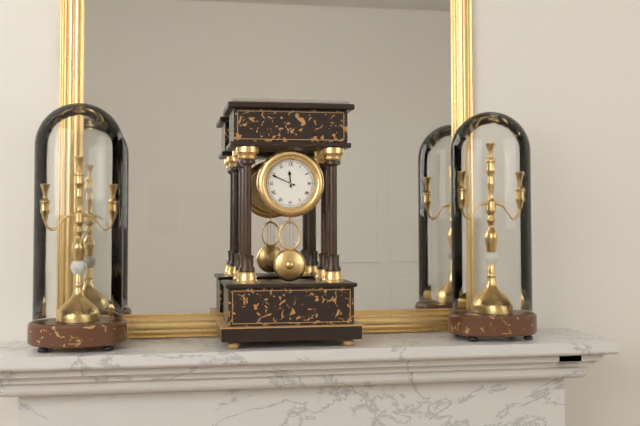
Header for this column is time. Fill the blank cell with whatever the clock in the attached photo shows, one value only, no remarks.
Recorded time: 11:49
